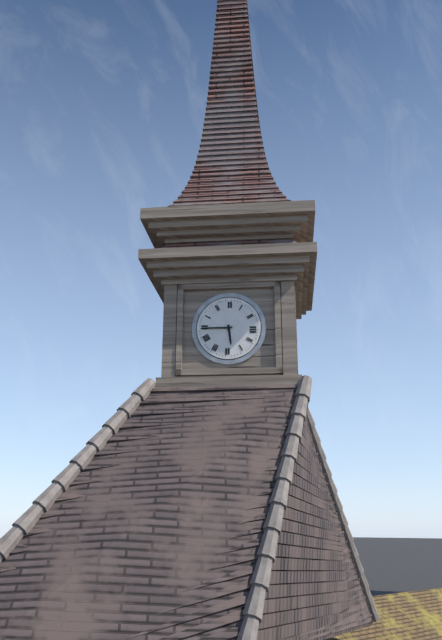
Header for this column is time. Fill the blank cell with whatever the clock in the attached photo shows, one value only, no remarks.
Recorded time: 5:45
